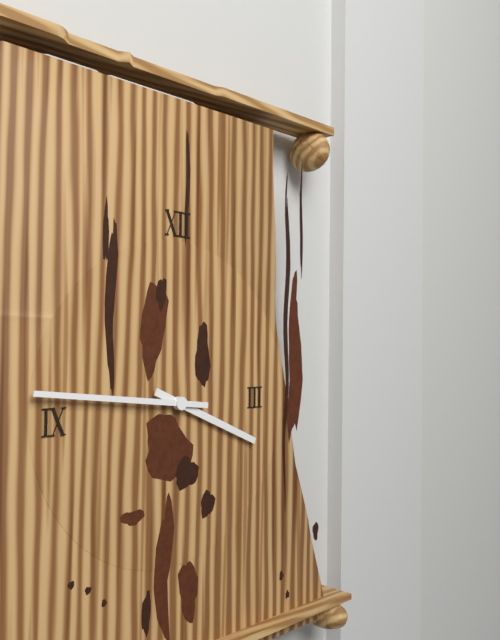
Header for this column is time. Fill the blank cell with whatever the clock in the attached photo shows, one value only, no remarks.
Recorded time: 3:46
